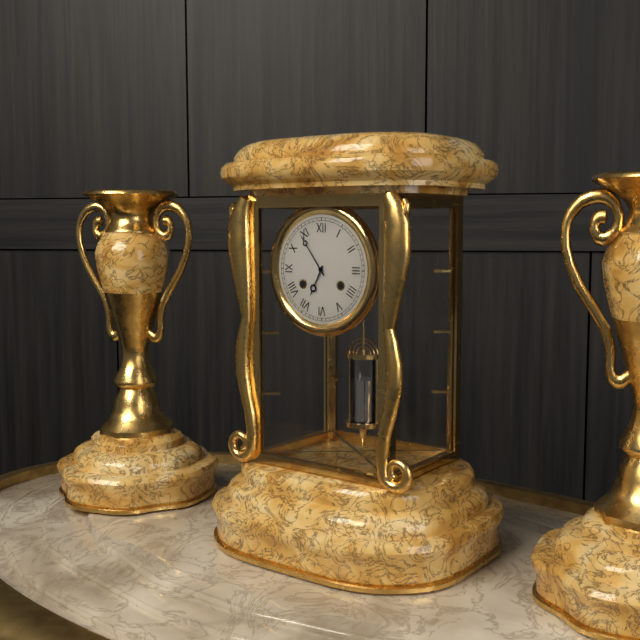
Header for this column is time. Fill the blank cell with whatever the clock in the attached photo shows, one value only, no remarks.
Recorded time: 6:54
